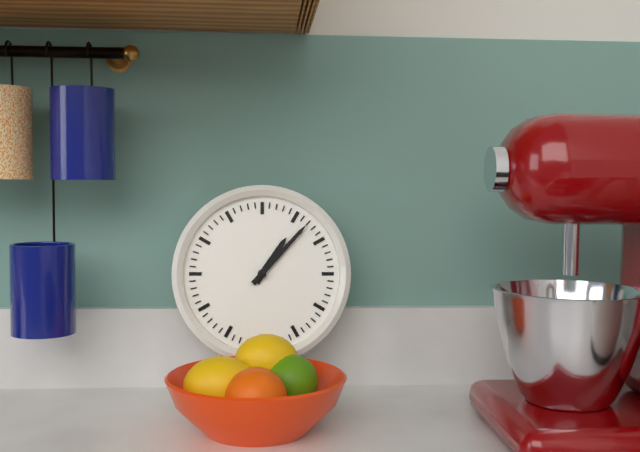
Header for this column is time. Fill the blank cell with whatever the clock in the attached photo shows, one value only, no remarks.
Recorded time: 1:07
